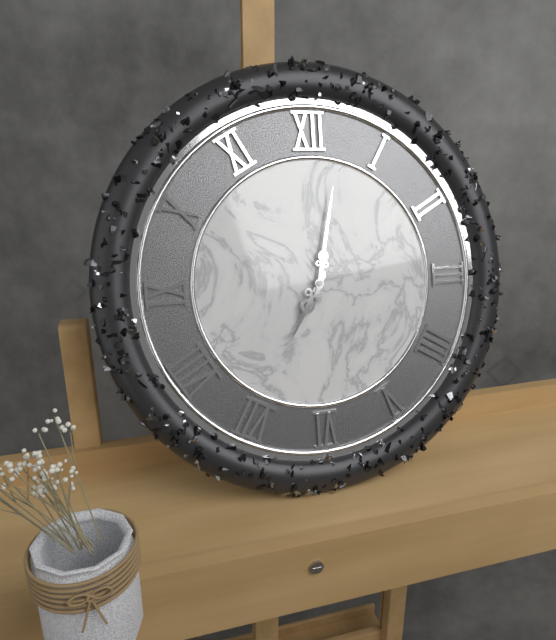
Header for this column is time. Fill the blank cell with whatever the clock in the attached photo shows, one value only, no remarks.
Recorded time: 7:02
